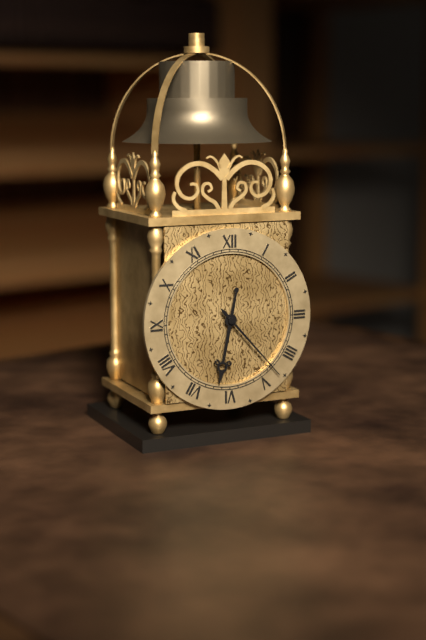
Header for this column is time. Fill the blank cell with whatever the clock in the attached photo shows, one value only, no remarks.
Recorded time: 6:23
